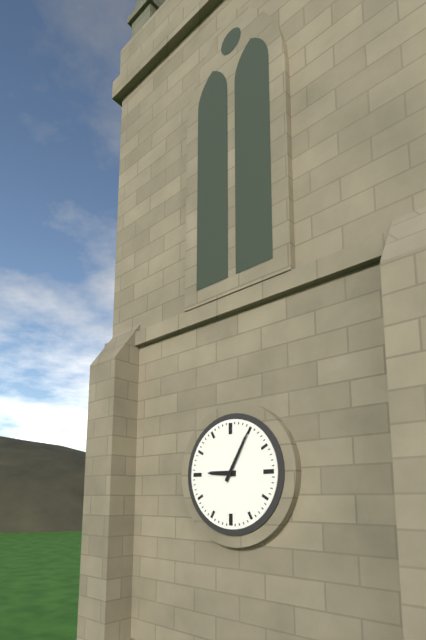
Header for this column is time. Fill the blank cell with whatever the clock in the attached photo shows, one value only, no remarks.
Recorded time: 9:05
